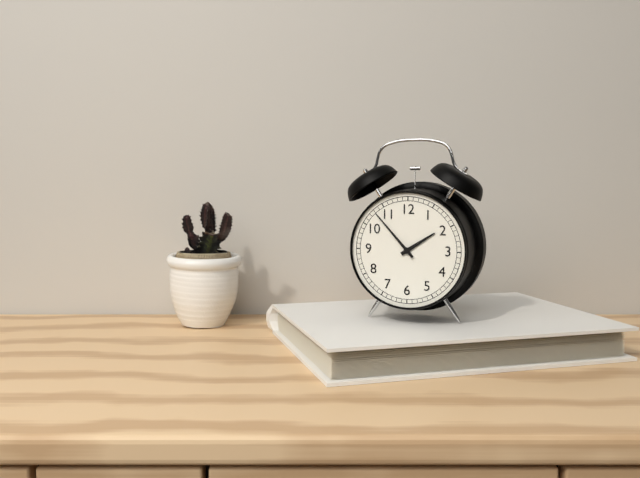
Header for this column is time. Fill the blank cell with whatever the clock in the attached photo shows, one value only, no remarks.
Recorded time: 1:53
